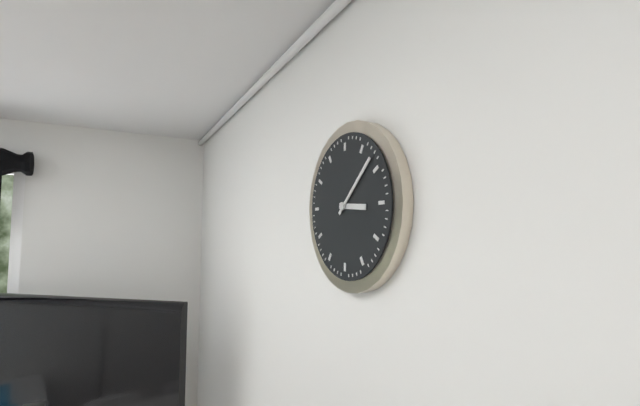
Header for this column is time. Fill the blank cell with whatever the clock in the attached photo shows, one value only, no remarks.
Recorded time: 3:08
